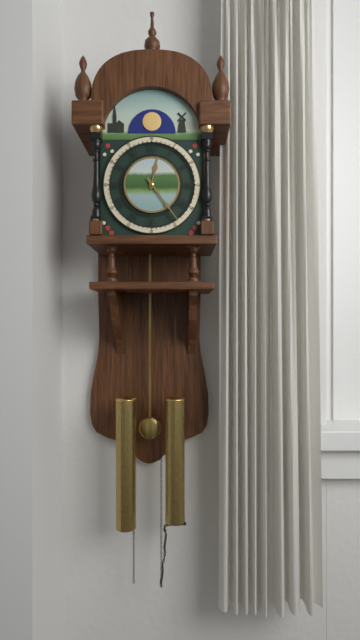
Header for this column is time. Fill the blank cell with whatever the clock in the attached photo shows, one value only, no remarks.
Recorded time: 12:24
